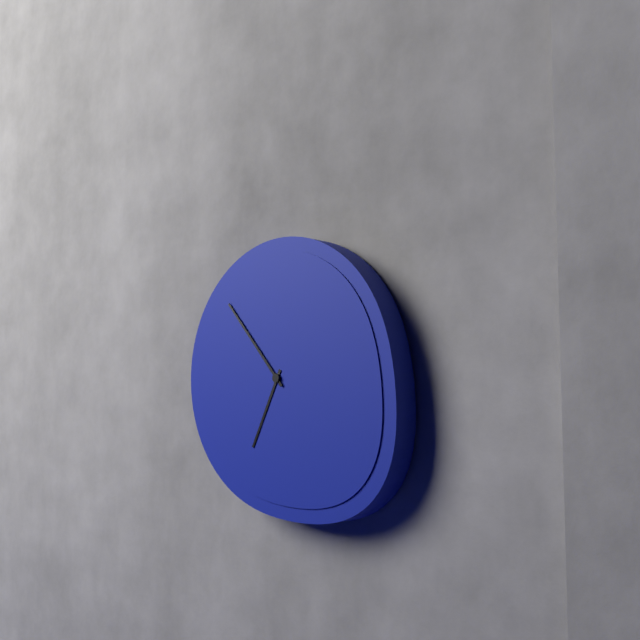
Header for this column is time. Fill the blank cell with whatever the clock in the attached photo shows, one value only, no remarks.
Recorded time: 6:53
